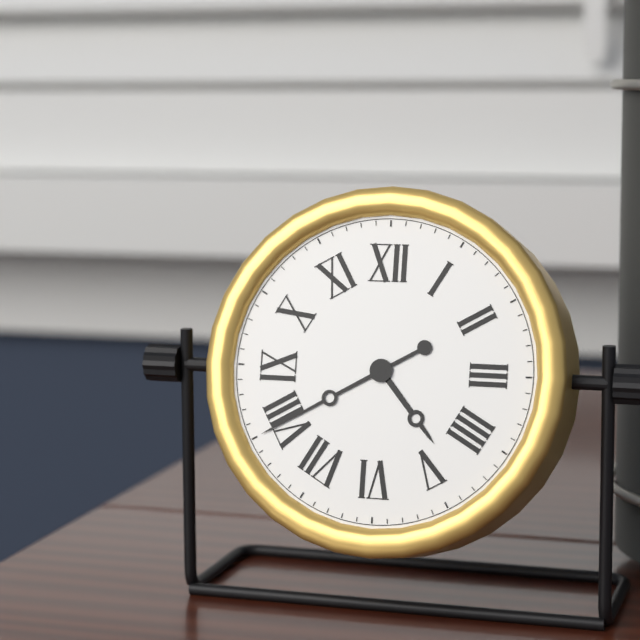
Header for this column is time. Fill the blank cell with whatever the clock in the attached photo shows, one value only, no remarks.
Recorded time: 4:40
